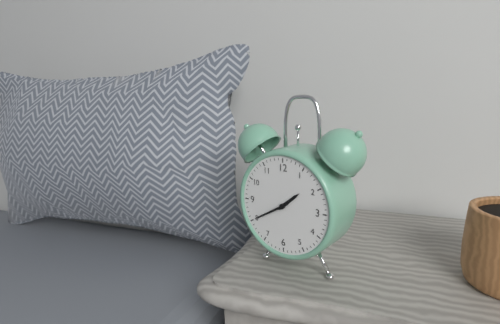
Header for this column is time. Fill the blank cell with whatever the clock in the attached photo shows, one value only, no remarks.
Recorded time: 1:40
